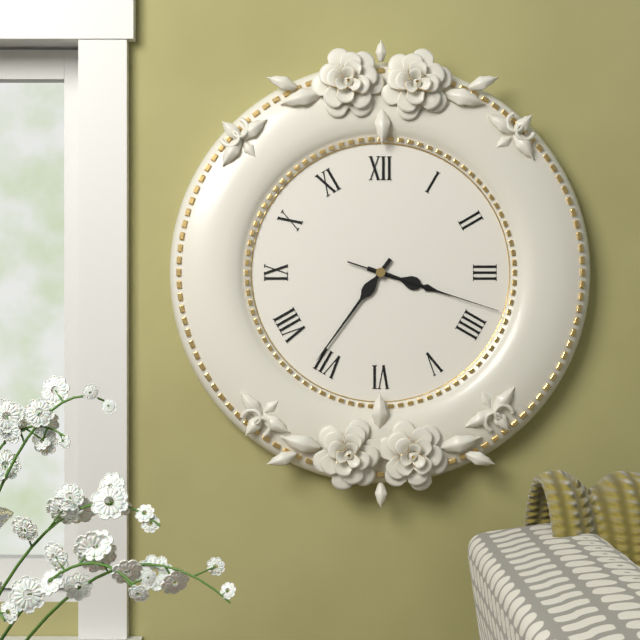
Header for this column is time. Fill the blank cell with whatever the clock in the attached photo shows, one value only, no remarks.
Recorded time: 3:36:18
